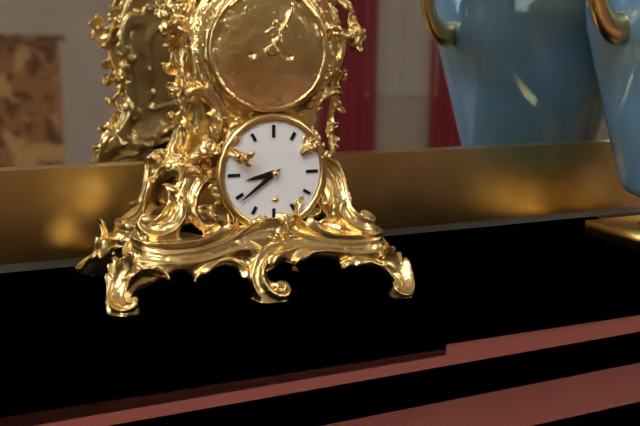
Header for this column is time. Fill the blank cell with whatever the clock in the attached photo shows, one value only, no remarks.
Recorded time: 8:39
